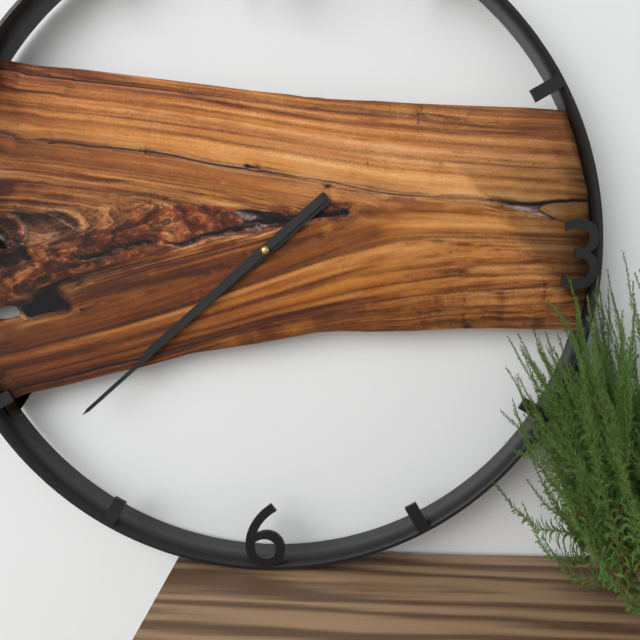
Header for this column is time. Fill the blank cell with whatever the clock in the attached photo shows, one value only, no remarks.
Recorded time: 7:38
